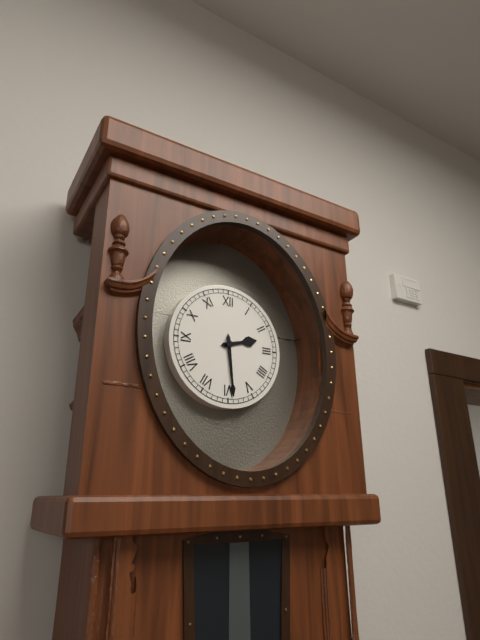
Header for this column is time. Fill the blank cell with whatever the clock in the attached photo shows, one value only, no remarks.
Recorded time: 2:29
